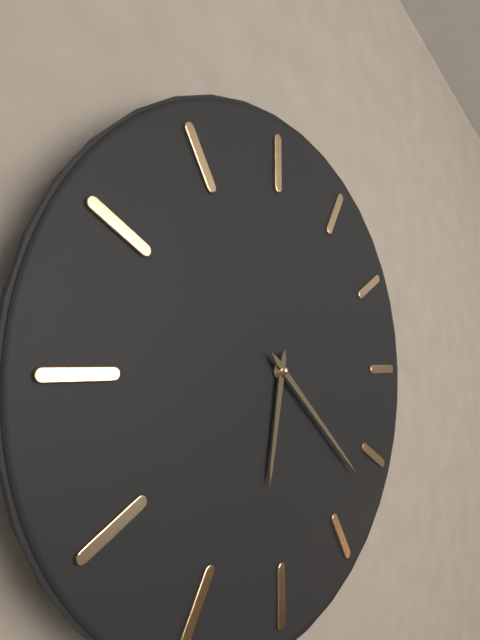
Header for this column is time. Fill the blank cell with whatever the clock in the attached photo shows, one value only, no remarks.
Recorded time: 6:22
